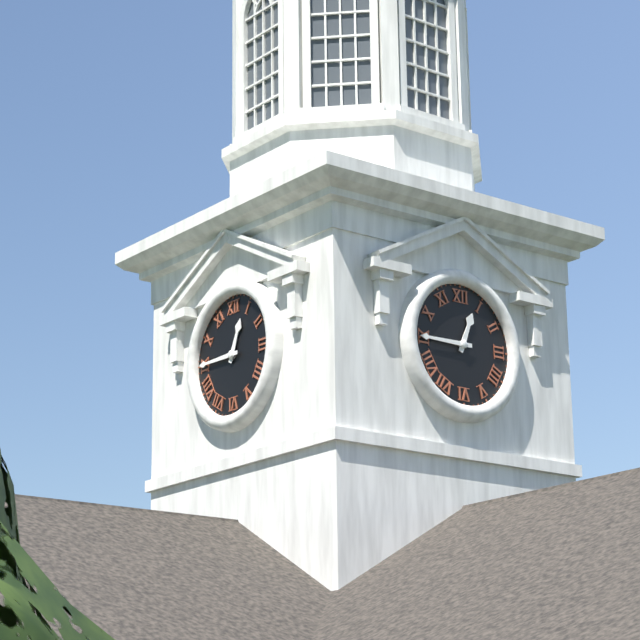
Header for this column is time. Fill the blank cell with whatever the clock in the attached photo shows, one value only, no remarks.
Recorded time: 12:45
